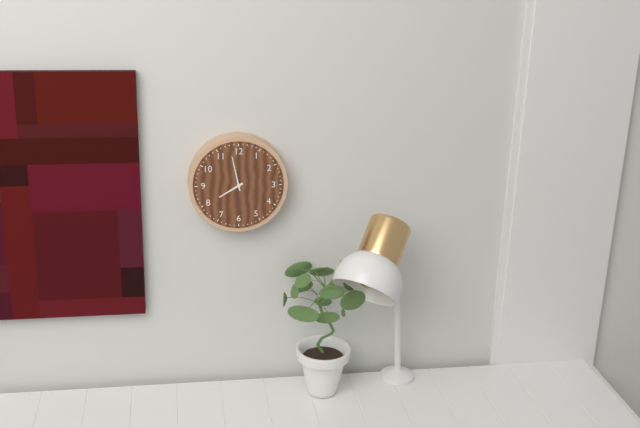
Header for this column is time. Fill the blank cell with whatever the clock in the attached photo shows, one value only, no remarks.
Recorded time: 7:58
